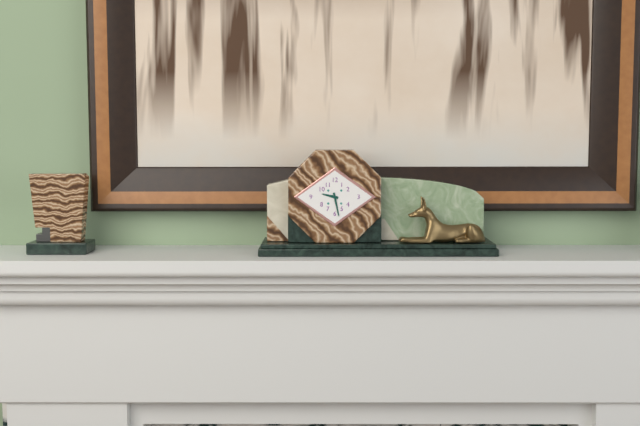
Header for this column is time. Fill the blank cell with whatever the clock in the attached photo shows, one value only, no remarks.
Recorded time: 9:28
